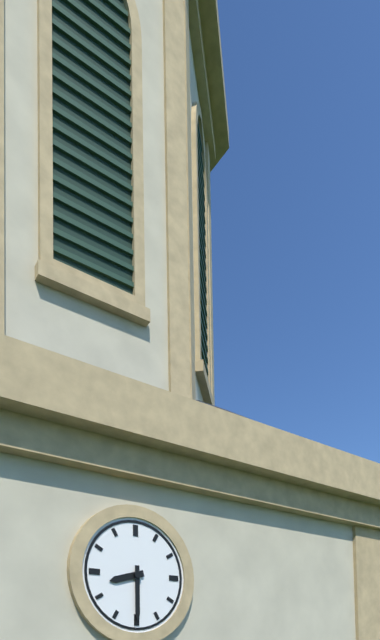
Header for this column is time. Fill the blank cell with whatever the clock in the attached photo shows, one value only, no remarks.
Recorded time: 8:30
